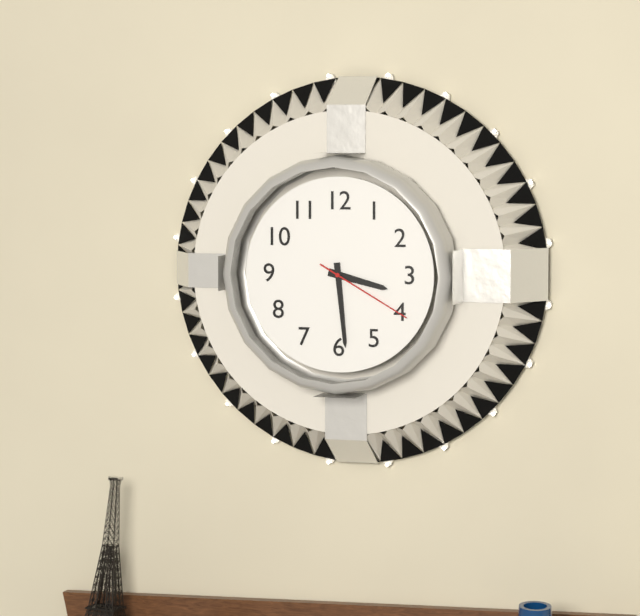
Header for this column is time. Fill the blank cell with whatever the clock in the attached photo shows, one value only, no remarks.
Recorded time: 3:29:20
